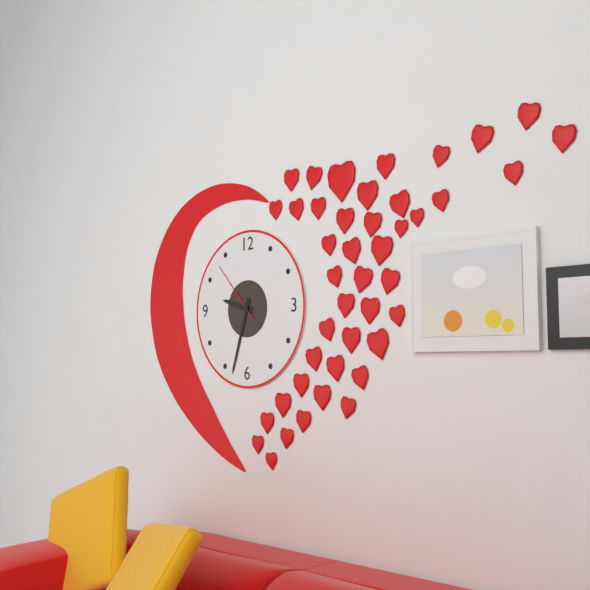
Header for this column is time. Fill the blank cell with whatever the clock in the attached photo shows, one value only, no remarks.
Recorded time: 9:33:53
